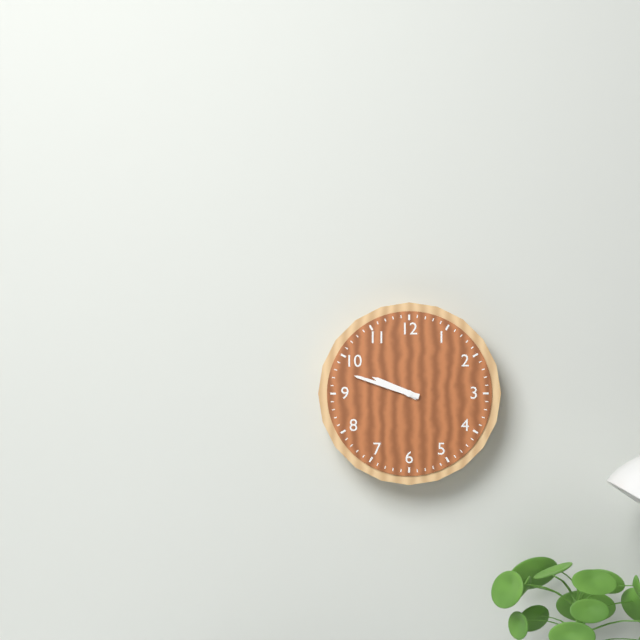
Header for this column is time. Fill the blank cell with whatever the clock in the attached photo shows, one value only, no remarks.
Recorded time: 9:48
